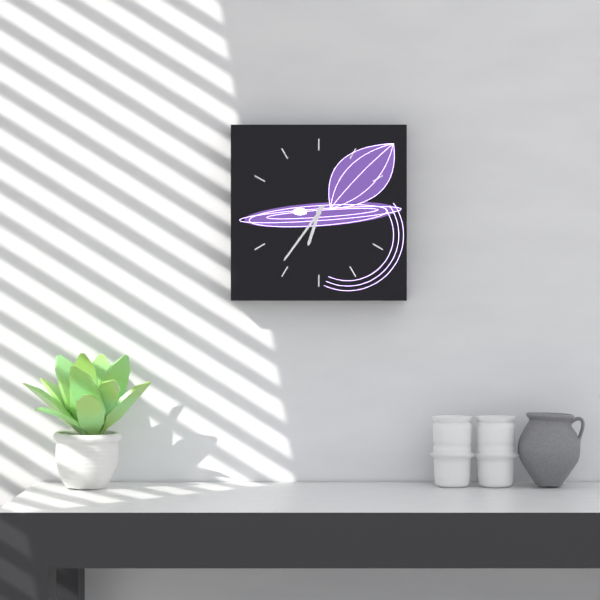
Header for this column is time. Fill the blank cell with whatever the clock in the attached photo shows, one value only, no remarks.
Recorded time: 6:36
